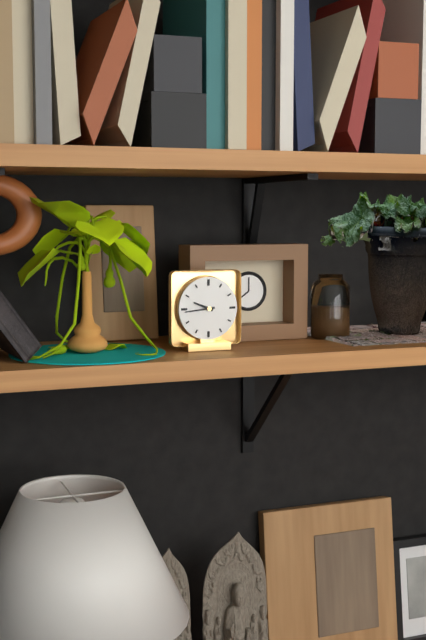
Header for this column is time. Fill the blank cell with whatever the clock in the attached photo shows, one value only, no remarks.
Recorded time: 9:44
